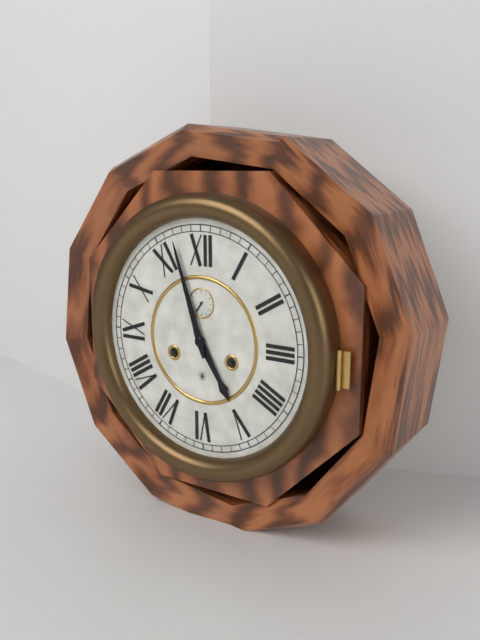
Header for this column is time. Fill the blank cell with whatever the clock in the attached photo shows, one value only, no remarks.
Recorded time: 4:57
